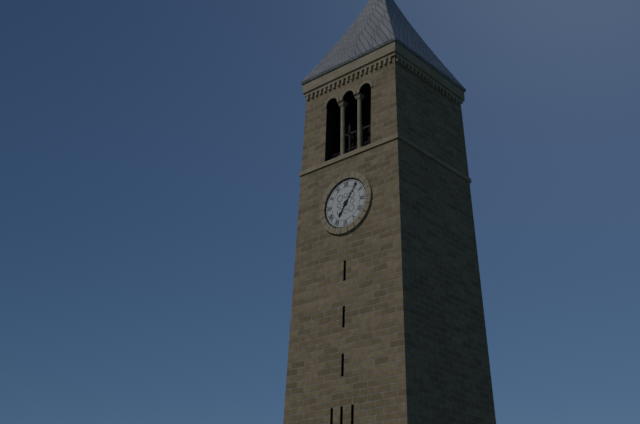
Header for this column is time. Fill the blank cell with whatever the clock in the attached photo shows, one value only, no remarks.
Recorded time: 7:06
